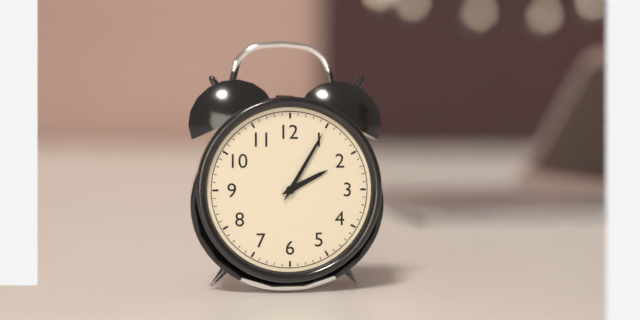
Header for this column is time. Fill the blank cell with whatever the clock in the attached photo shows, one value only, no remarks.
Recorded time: 2:05
